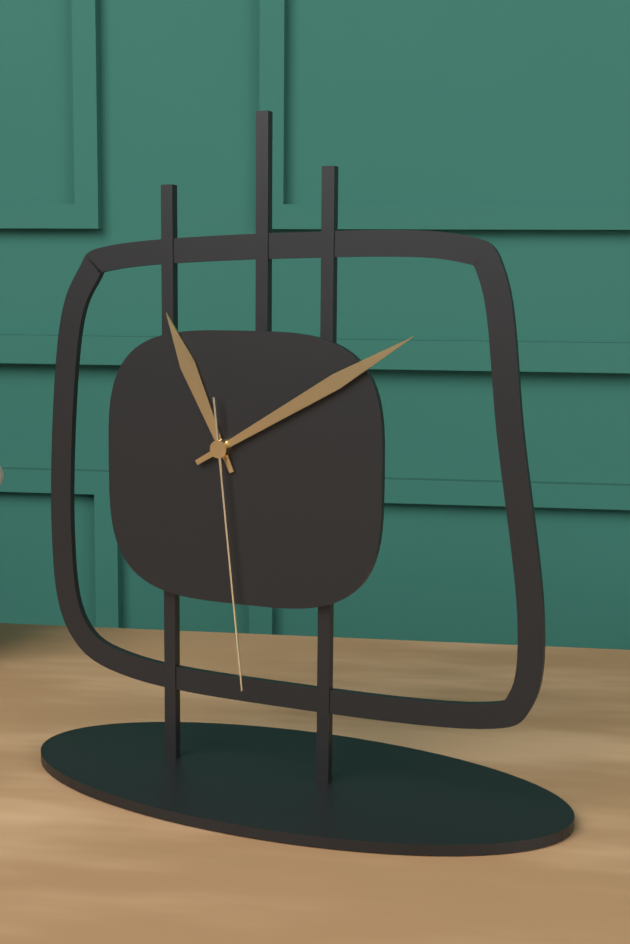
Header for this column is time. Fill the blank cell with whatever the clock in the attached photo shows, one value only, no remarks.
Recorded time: 11:10:29
